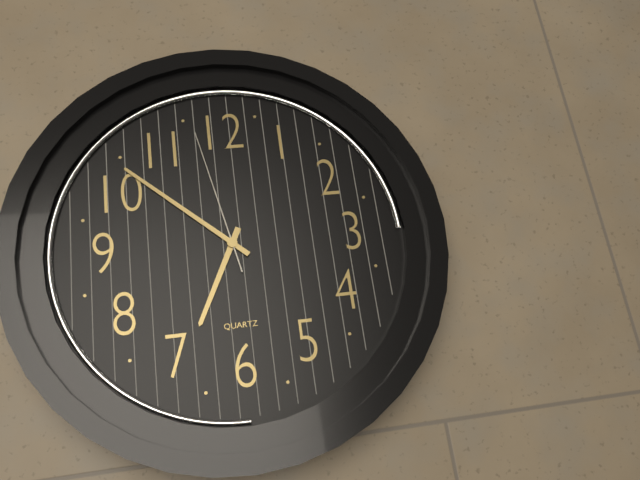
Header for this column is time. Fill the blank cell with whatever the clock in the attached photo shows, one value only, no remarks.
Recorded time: 6:52:58
